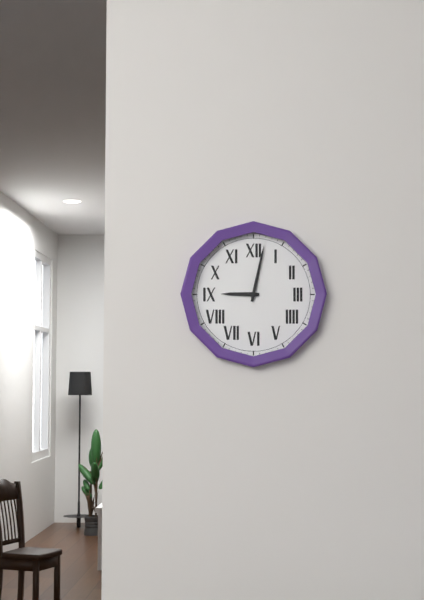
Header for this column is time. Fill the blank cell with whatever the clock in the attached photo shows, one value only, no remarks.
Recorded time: 9:02
